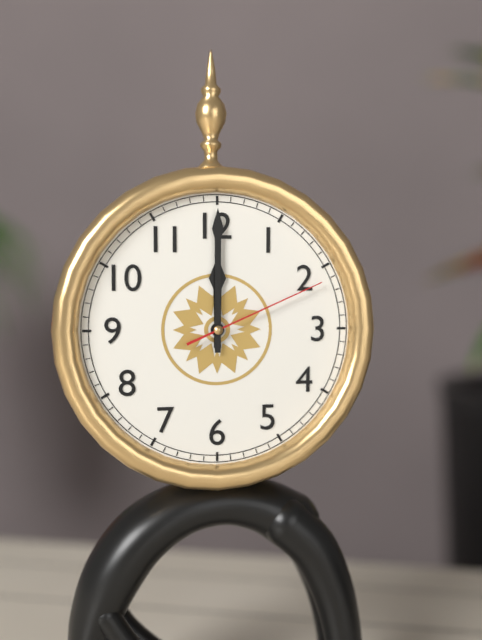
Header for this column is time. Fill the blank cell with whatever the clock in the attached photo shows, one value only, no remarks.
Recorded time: 12:00:11
